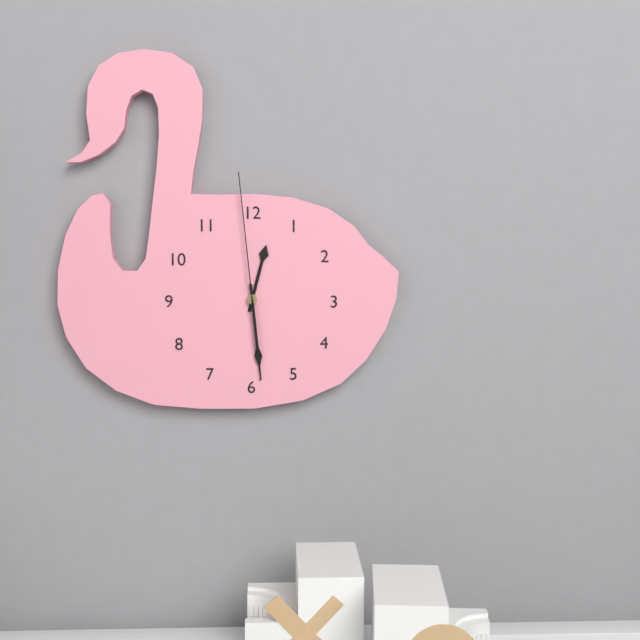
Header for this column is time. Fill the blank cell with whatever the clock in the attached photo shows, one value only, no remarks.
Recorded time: 12:29:59
